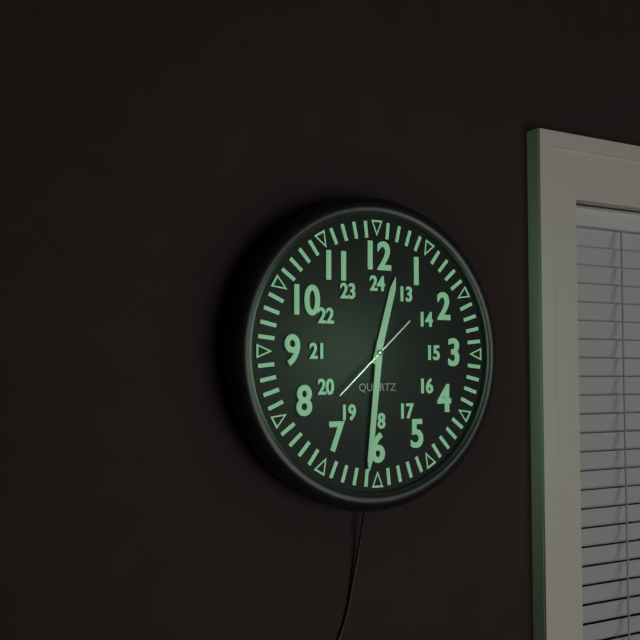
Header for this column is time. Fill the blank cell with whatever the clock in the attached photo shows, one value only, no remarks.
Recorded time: 12:31:38
